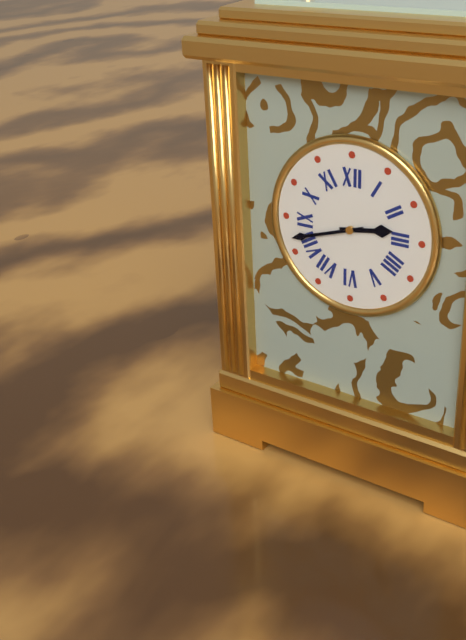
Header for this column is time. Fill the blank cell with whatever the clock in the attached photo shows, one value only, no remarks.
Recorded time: 2:42
